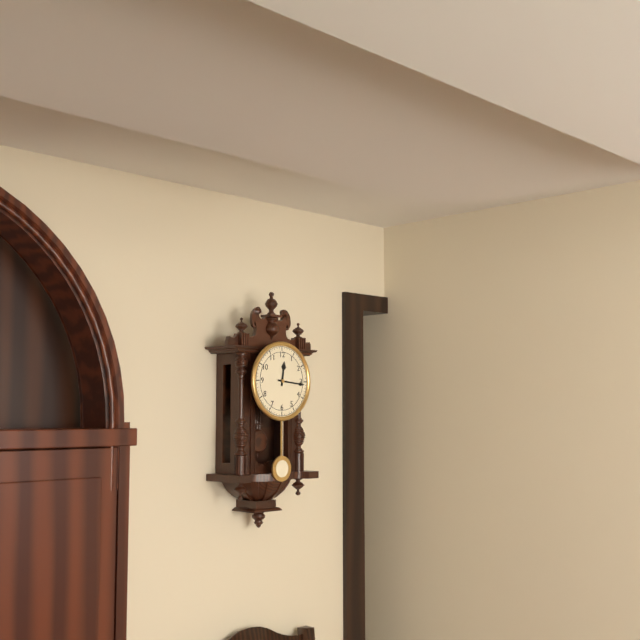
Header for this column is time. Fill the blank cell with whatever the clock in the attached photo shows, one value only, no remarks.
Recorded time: 12:16
